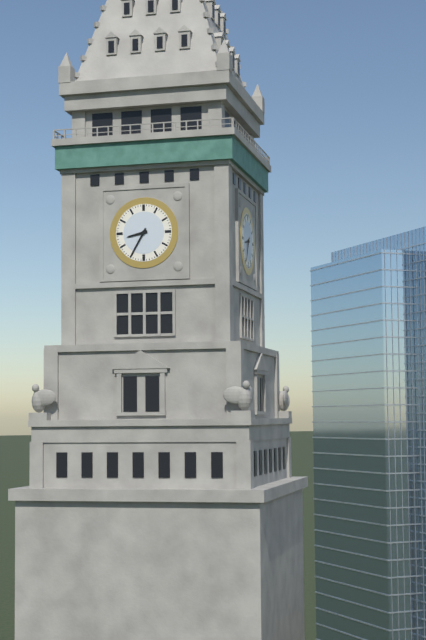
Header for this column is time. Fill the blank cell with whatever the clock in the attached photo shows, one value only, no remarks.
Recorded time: 8:35
